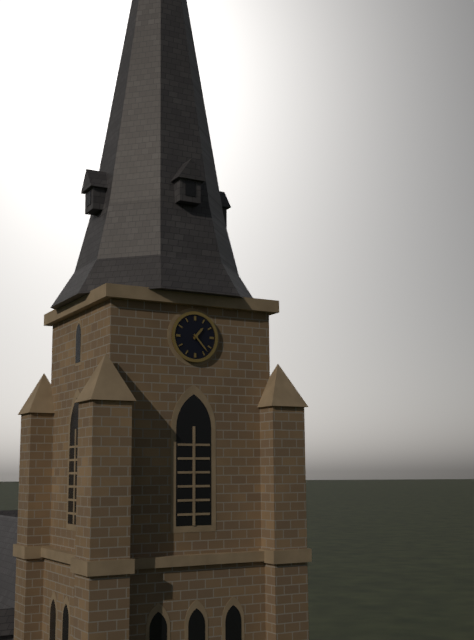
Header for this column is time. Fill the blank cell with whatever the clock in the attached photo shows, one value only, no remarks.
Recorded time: 1:23
